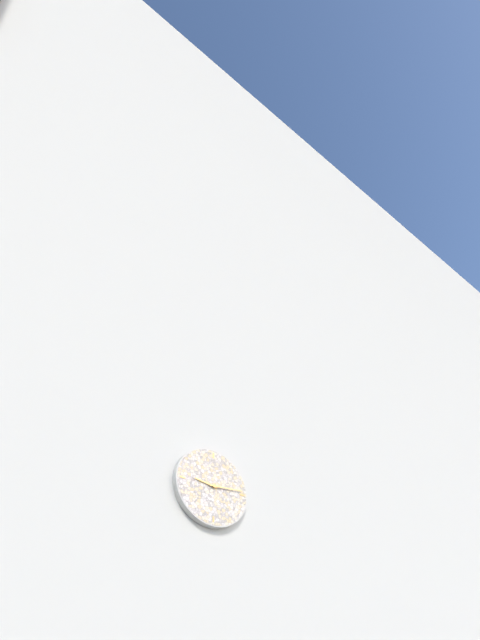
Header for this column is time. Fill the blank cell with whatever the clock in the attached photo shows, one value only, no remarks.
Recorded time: 9:14
